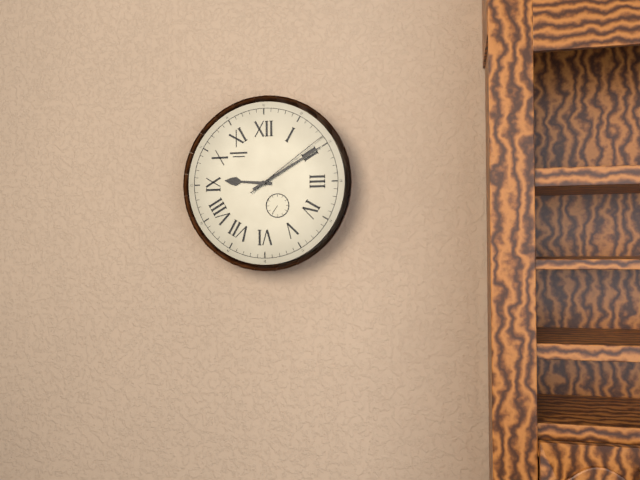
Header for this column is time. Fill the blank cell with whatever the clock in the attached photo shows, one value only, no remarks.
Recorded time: 9:10:09
